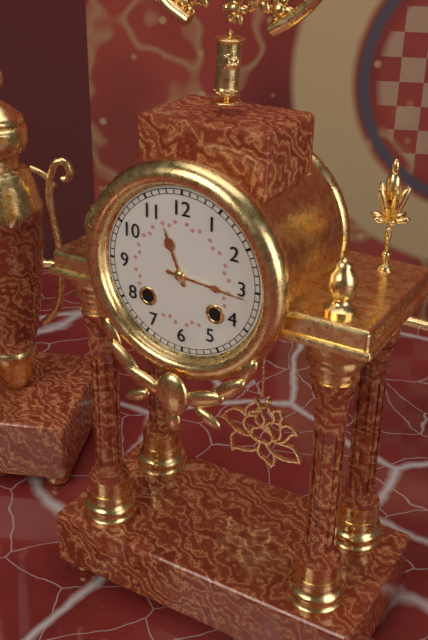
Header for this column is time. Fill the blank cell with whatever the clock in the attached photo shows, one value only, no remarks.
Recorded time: 11:16
